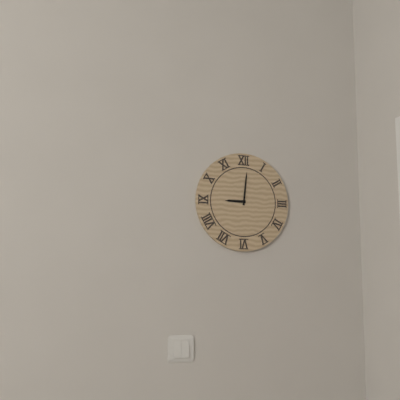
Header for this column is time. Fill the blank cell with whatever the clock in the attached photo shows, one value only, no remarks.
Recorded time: 9:01
